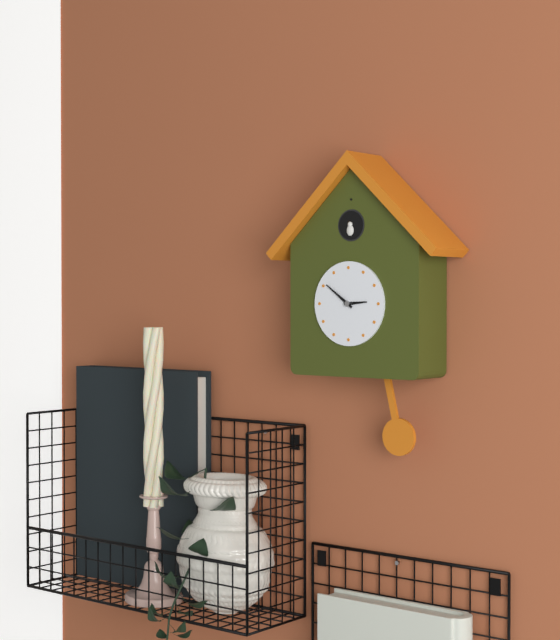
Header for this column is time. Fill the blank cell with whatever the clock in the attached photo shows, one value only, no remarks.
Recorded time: 2:51
